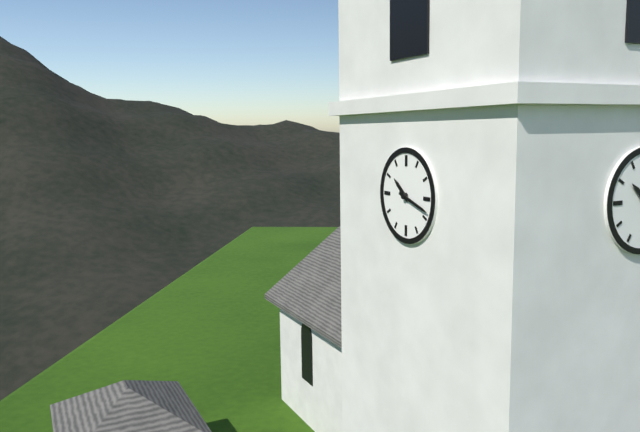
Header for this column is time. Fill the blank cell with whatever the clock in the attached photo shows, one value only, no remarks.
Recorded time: 10:18
